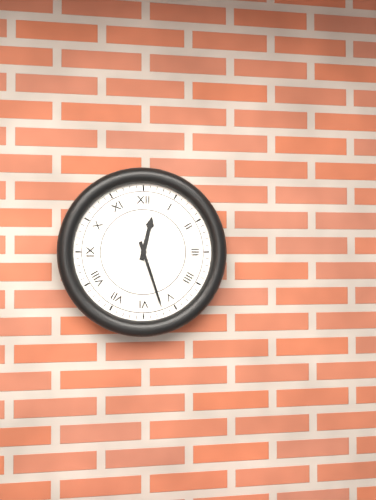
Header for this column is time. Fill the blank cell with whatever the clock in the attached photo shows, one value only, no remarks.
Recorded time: 12:27
